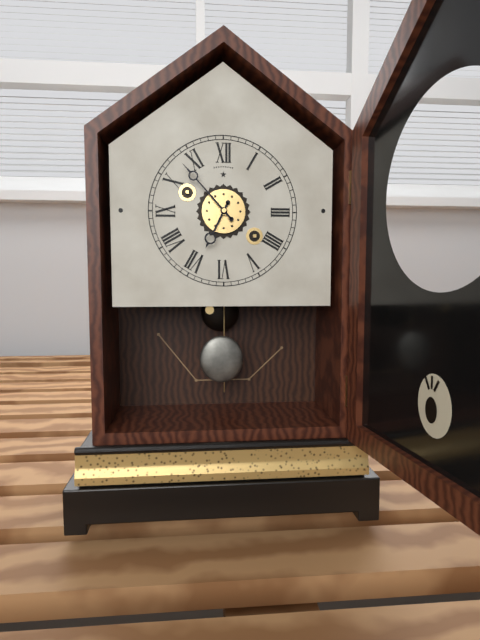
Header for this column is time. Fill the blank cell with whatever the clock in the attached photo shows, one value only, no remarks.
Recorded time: 6:53
